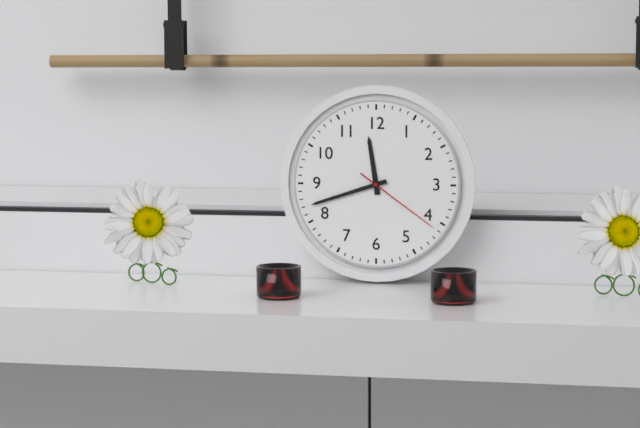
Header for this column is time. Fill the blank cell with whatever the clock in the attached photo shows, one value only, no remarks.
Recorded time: 11:42:21
